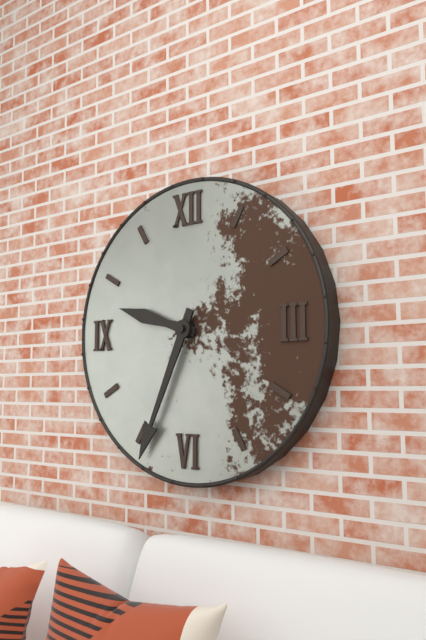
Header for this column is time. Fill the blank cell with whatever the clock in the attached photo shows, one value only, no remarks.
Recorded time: 9:34
